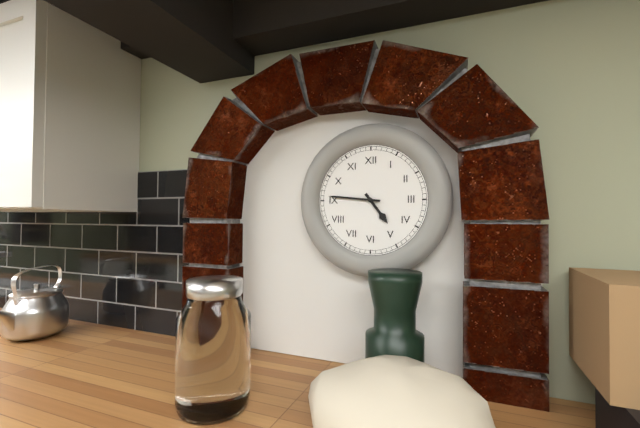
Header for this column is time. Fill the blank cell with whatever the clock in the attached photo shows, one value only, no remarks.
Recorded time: 4:46
